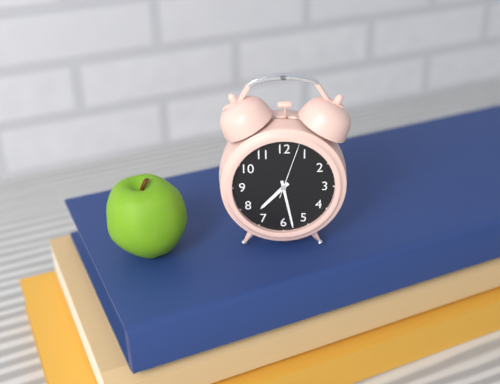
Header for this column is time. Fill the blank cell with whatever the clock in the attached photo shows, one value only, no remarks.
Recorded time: 7:28:03
